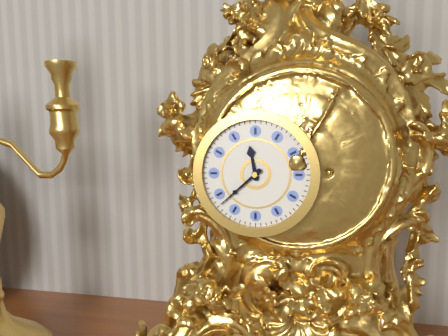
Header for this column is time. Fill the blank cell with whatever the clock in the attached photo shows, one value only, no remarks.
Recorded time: 11:38
